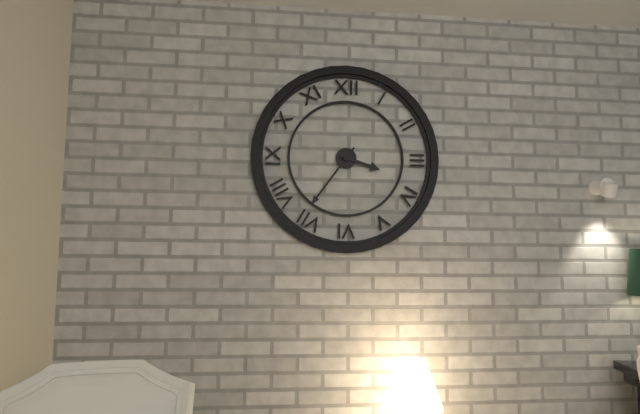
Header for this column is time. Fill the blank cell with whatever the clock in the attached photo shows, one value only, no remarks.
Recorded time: 3:36
